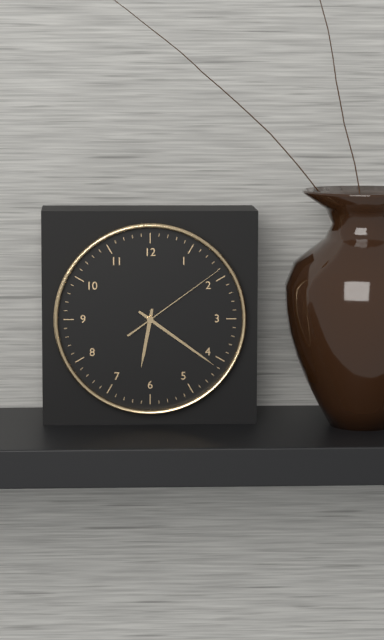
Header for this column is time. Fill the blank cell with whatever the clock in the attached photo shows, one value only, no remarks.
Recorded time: 6:21:09
